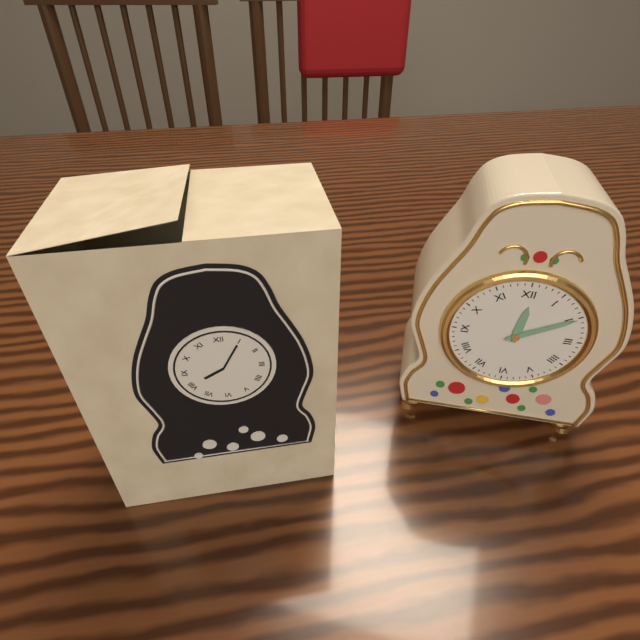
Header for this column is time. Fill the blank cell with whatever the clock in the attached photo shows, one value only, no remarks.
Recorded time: 12:10
